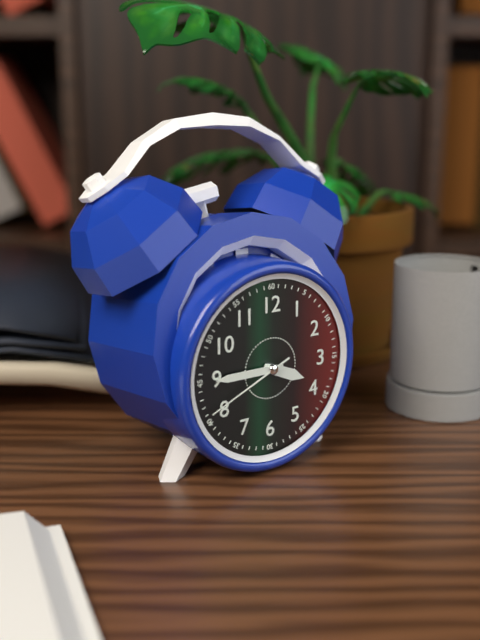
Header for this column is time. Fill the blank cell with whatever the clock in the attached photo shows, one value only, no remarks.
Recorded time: 3:45:41
